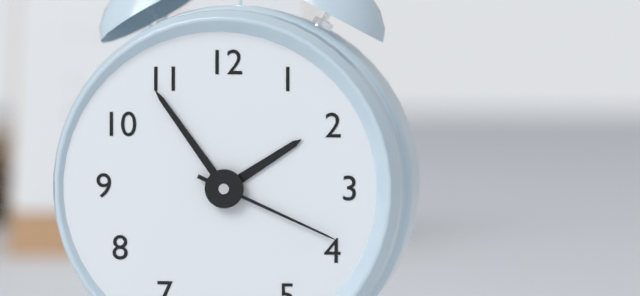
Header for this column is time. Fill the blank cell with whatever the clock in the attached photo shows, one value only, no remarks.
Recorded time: 1:54:19
